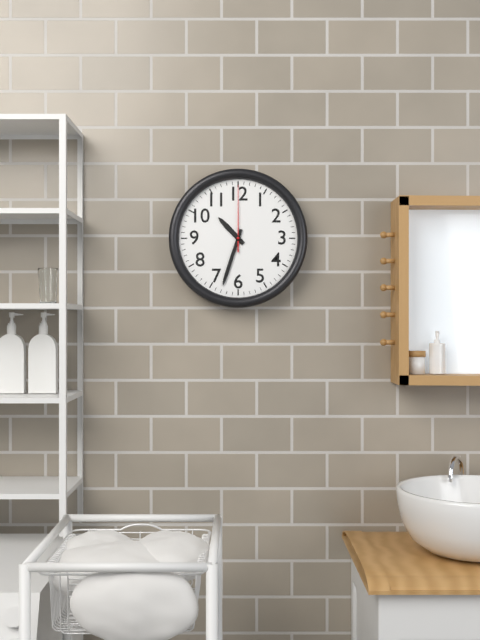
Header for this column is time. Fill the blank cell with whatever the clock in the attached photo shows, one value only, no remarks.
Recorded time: 10:33:00
